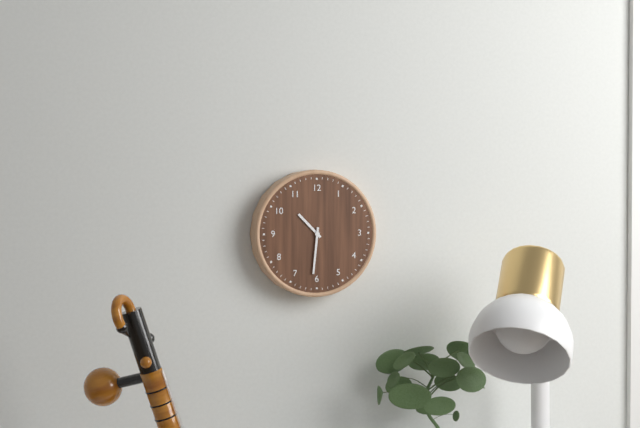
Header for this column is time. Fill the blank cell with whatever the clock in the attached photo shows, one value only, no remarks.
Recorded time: 10:31
